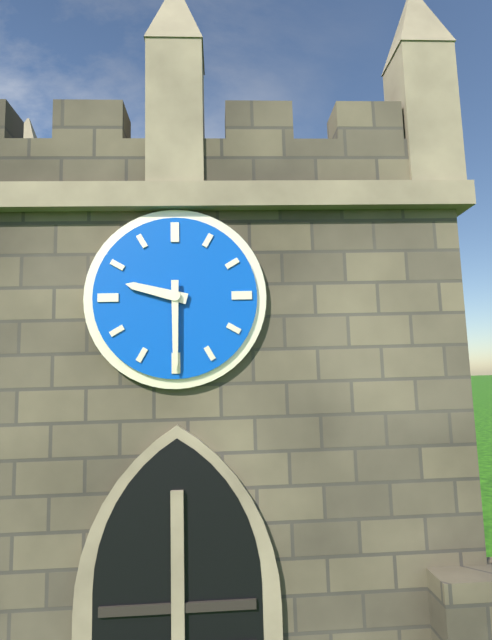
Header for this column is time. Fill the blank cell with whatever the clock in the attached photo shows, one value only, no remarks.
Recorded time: 9:30
